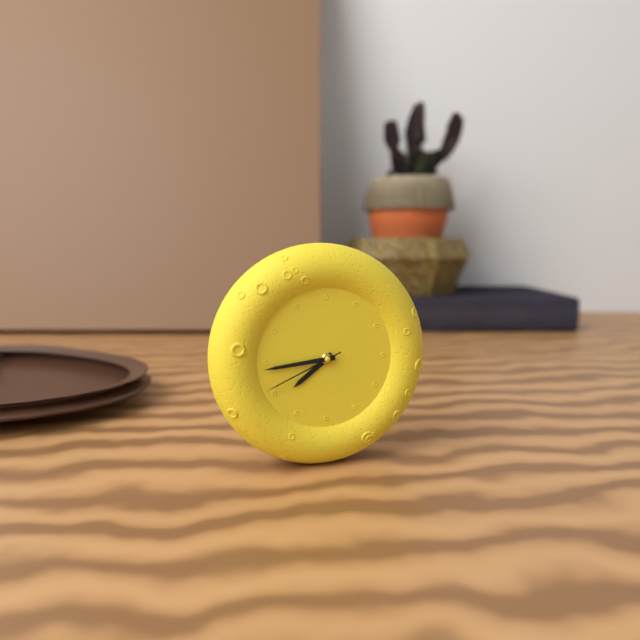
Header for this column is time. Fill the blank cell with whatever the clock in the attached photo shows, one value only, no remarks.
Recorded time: 7:44:41
